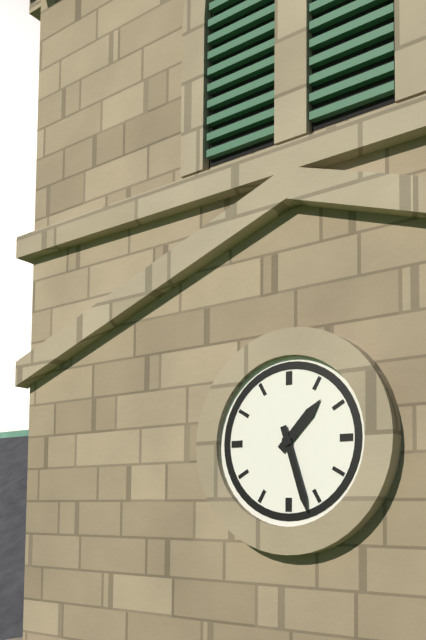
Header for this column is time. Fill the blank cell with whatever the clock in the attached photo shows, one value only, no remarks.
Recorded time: 1:27
